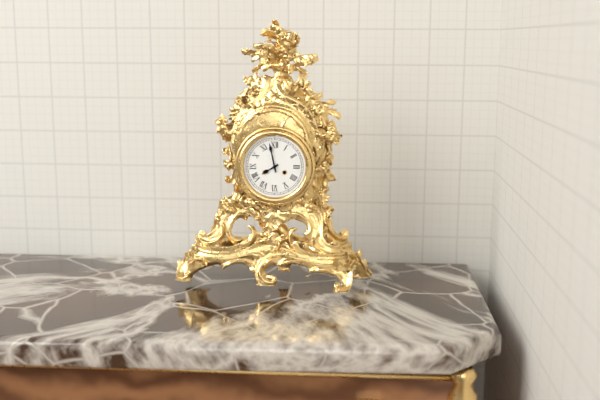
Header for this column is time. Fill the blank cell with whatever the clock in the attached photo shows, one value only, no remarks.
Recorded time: 7:58
